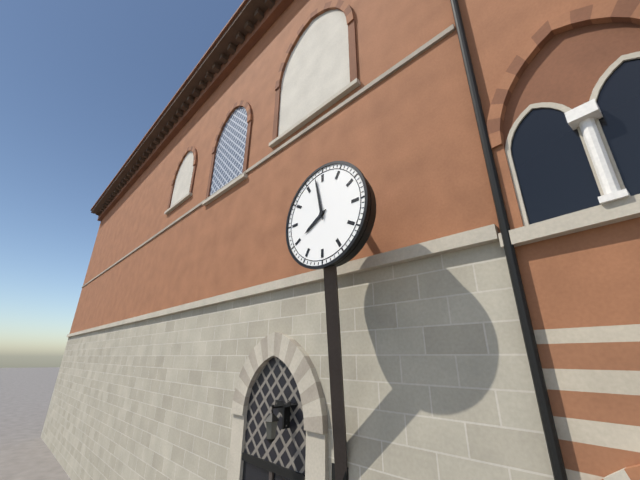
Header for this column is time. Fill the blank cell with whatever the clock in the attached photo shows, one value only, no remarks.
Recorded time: 7:58
